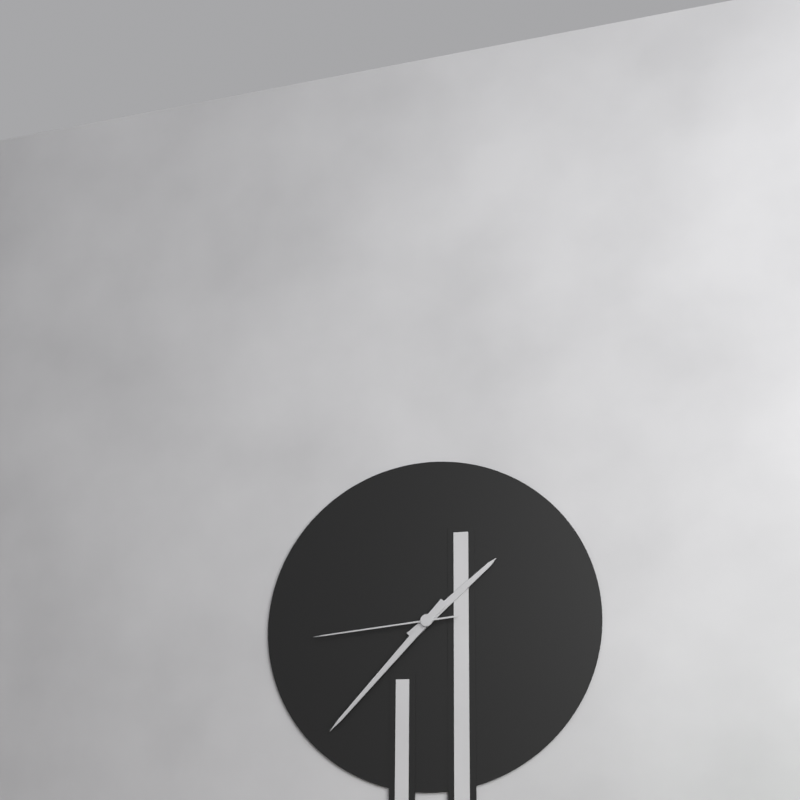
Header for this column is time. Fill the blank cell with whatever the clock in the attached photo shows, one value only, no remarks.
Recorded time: 1:37:44
